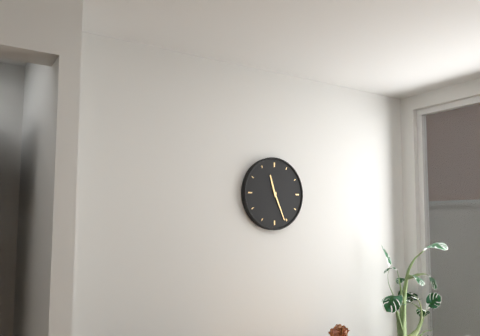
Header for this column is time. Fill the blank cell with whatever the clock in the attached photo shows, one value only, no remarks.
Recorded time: 11:26
